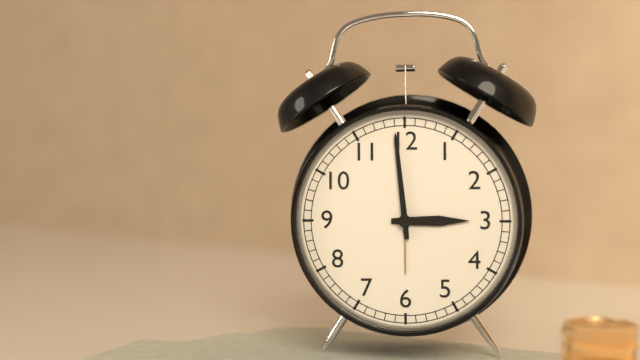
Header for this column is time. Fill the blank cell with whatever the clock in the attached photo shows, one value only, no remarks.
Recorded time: 2:59
